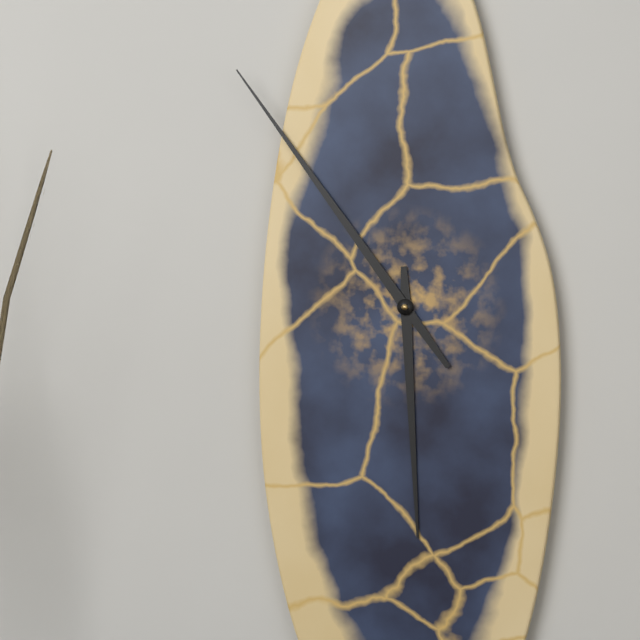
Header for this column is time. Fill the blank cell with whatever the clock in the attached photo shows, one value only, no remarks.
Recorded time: 5:54
